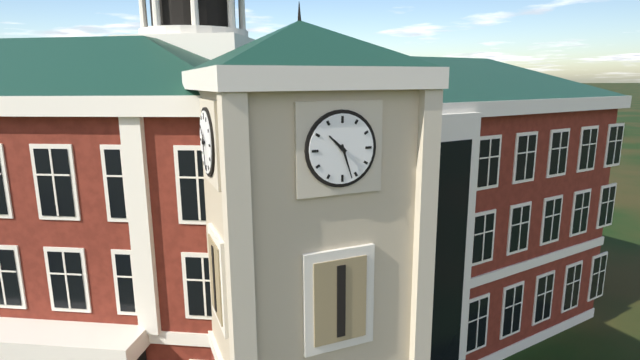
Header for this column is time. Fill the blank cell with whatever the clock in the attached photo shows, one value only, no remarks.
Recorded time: 10:27
